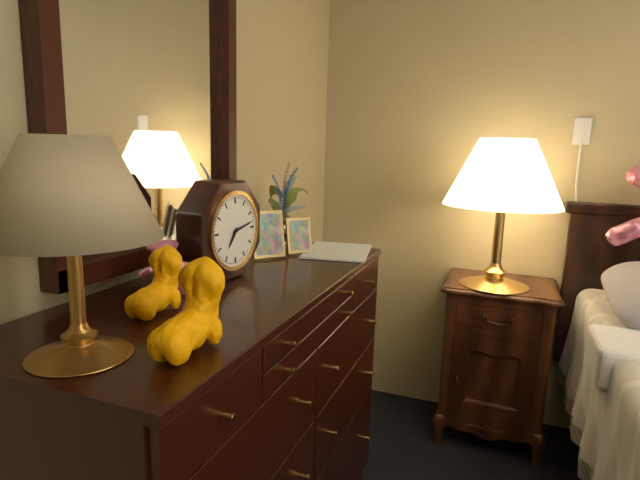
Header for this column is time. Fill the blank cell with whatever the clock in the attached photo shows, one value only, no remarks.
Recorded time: 7:13
